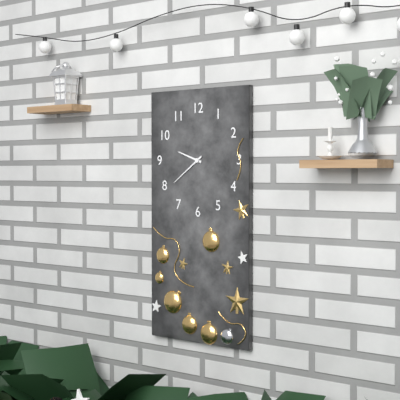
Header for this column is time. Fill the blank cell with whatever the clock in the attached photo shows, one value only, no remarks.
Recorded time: 9:39
